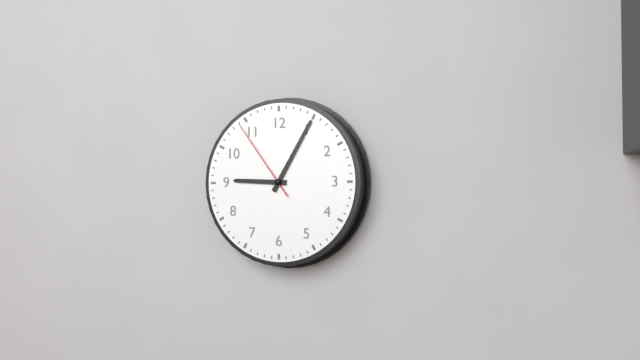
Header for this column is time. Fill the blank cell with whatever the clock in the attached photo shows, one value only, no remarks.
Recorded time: 9:05:54
